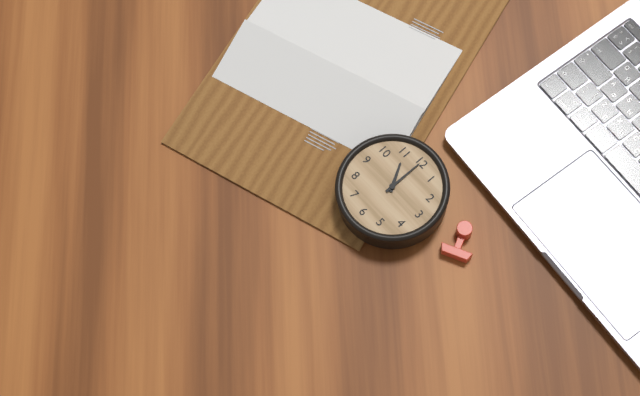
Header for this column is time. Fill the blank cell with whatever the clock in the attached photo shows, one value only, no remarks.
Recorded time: 11:00
